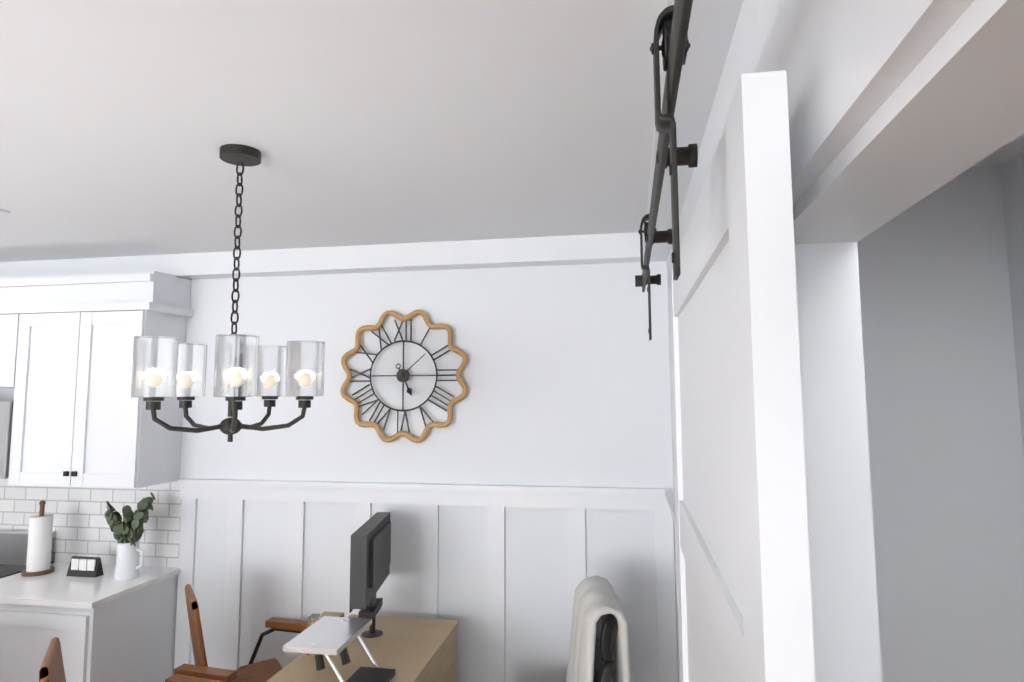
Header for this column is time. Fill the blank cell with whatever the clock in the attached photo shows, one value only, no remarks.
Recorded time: 5:08
